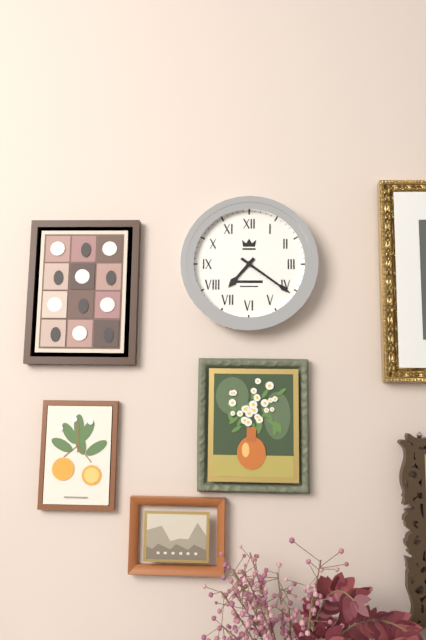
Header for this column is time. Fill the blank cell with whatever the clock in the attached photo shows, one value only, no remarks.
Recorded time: 7:21
